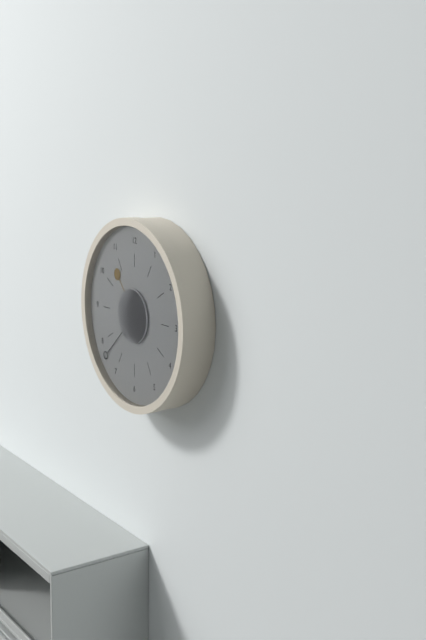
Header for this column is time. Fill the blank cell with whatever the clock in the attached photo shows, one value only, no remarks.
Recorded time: 10:38
